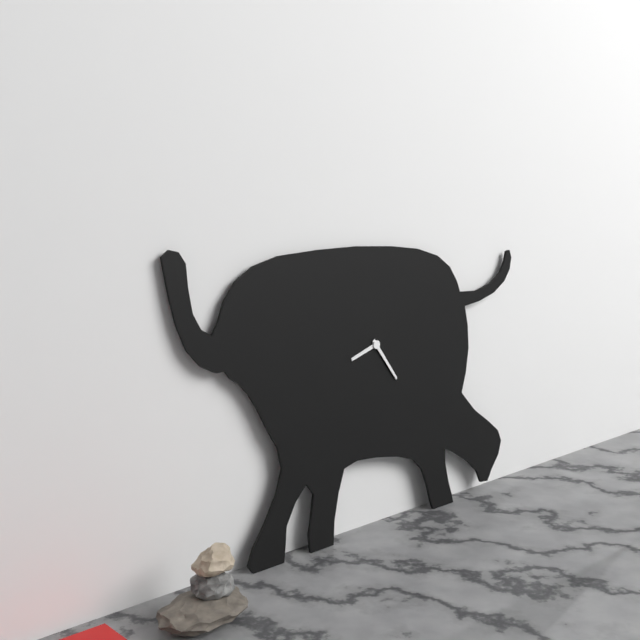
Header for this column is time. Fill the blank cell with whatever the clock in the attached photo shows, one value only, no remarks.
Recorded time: 8:24
